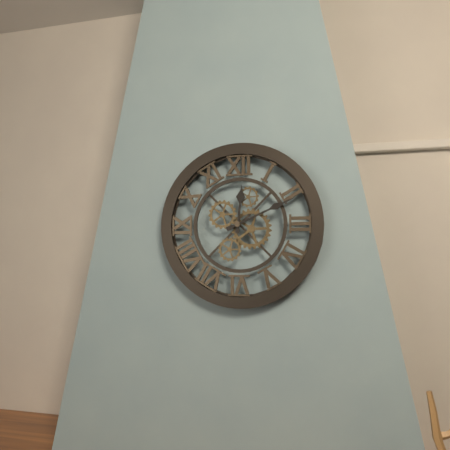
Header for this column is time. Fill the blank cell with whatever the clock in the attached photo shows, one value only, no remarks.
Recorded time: 12:11
